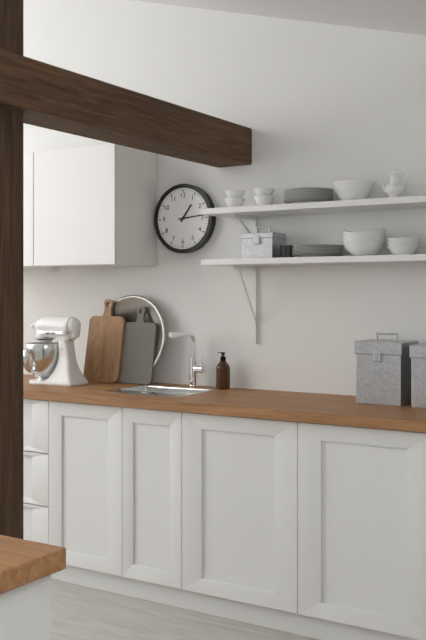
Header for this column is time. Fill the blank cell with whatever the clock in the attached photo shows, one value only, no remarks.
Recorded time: 1:14
